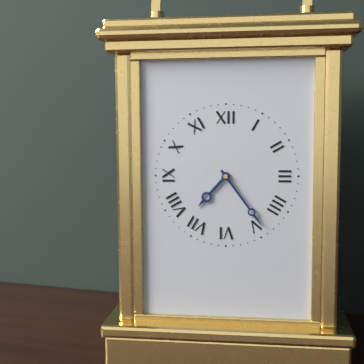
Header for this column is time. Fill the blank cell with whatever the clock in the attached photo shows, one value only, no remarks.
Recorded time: 7:24
